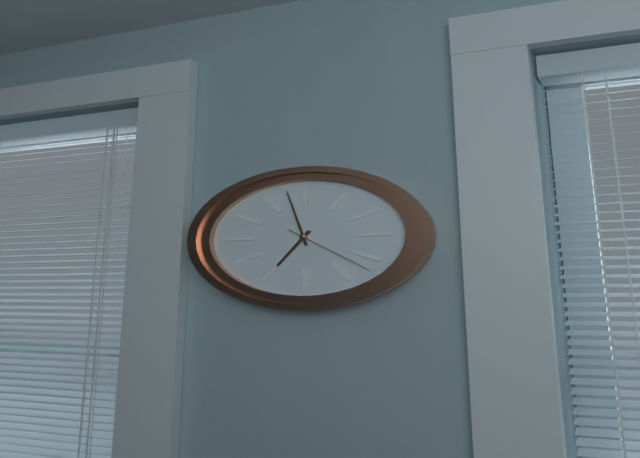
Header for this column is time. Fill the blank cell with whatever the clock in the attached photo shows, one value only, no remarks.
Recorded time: 6:58:22
